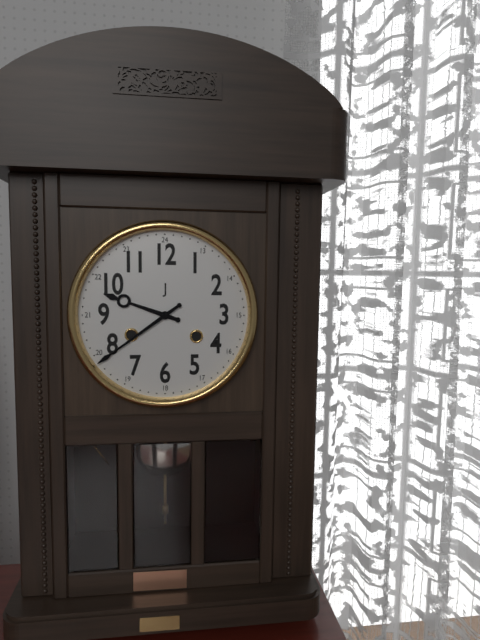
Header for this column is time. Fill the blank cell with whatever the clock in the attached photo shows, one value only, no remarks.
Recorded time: 9:39
